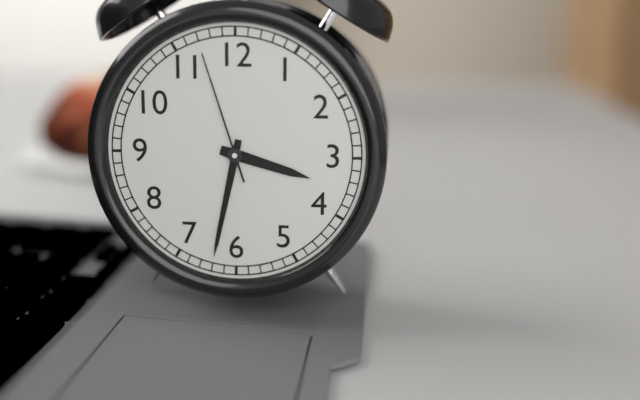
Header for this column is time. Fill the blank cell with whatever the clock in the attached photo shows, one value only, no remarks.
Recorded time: 3:32:57
